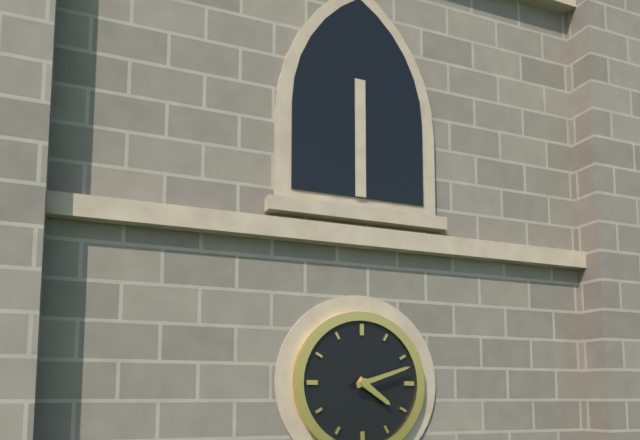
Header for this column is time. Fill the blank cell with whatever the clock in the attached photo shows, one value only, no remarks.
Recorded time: 4:12
